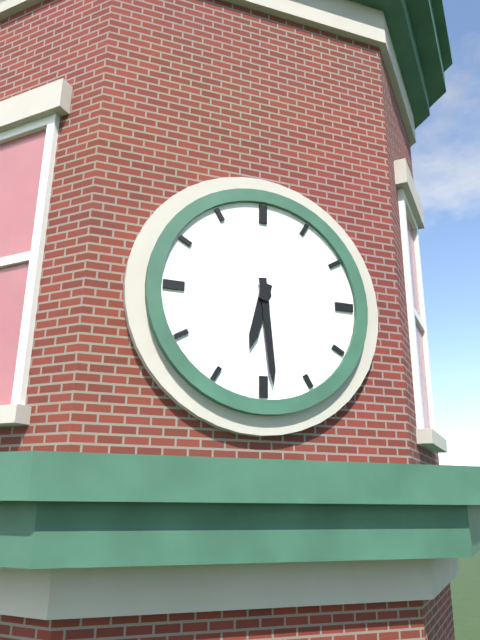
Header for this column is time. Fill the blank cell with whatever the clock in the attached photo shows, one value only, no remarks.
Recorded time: 6:29
